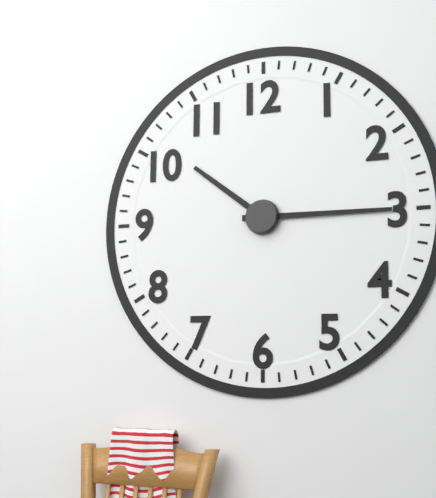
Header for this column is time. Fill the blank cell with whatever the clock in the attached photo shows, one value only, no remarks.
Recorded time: 10:15
